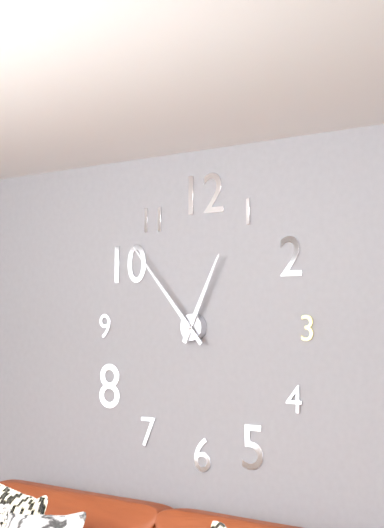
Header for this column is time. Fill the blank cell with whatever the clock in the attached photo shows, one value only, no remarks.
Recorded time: 12:53
